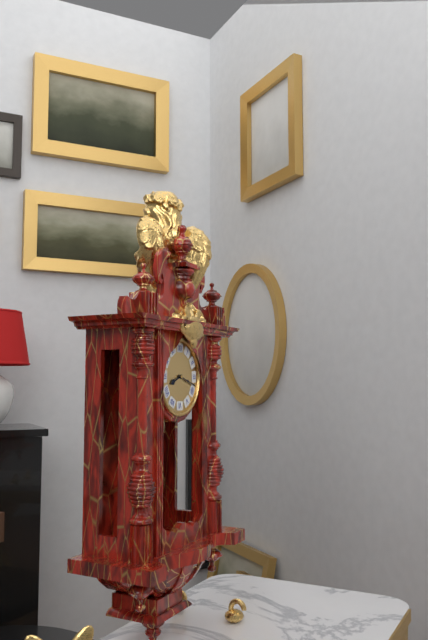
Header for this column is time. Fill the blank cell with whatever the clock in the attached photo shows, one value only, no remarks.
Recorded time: 8:18
